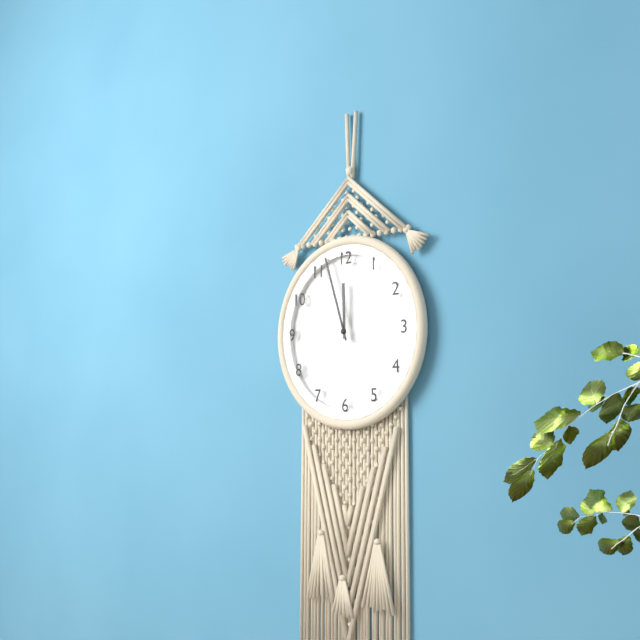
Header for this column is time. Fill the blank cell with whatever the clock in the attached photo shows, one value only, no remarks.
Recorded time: 11:57
